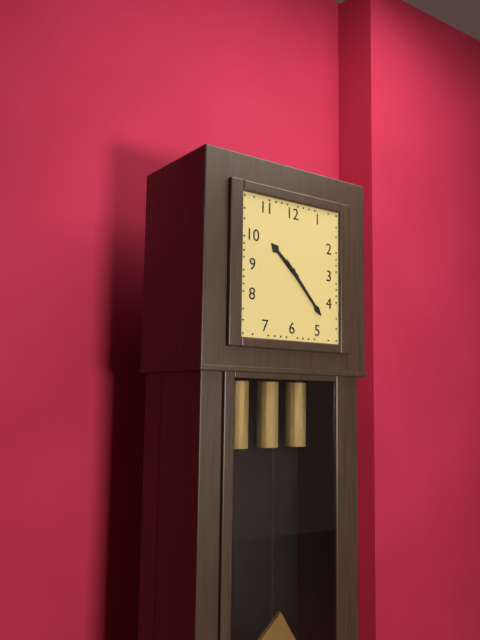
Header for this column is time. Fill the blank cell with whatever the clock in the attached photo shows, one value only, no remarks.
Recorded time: 10:23
